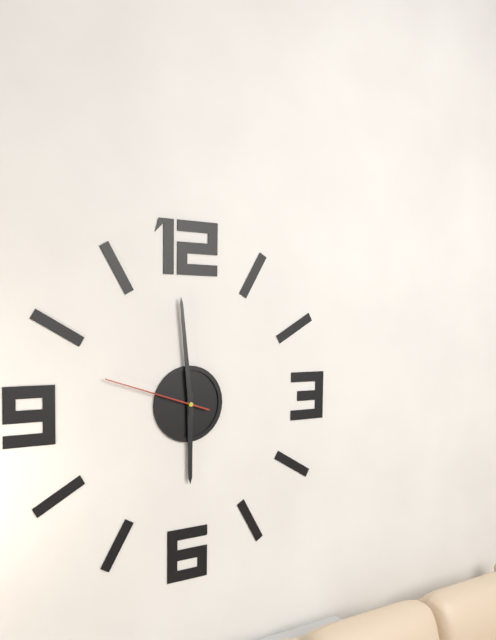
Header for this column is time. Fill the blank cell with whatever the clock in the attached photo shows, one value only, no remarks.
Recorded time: 5:59:48
